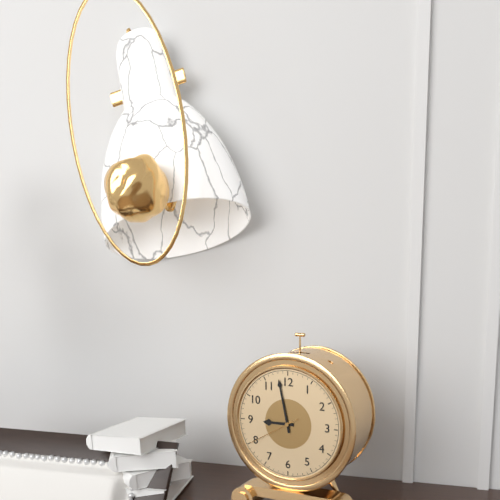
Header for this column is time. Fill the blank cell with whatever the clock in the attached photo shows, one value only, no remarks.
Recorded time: 8:58:40
